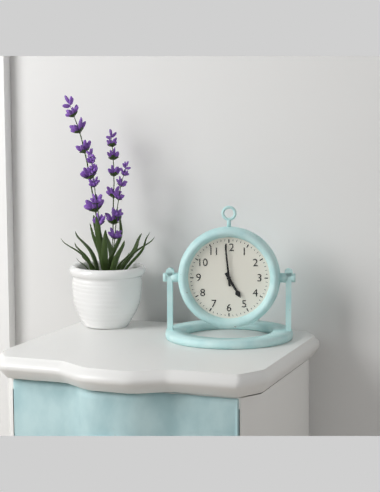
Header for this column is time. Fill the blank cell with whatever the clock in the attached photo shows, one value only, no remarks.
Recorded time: 4:59
